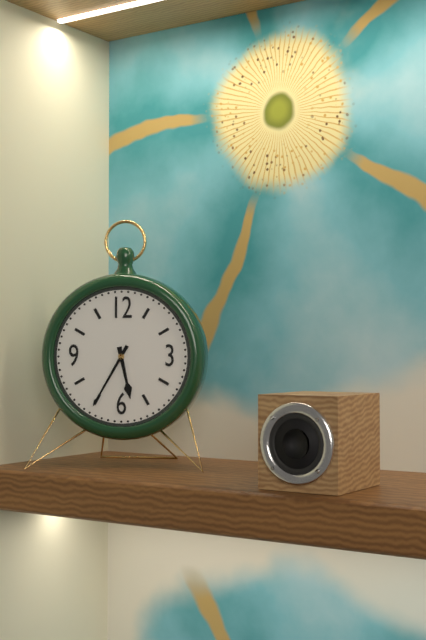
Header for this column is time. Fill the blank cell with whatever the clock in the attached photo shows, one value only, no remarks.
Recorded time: 5:35
